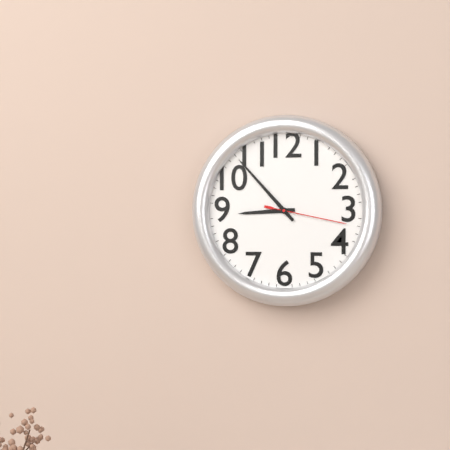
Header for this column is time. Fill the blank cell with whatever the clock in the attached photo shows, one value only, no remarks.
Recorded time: 8:53:17
